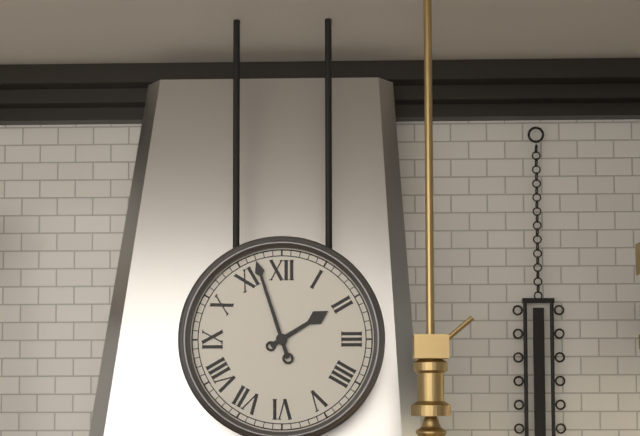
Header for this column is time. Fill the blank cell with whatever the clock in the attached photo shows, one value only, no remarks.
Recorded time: 1:57
